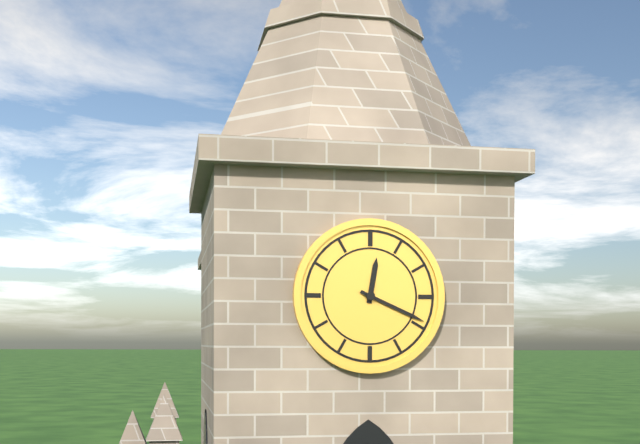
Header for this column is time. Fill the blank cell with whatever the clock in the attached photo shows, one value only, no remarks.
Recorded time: 12:19
